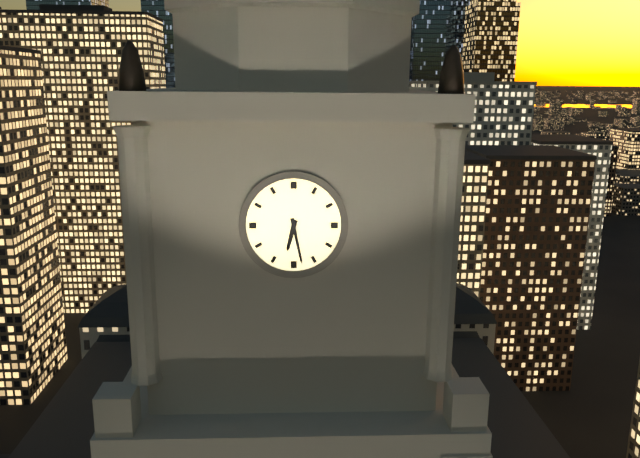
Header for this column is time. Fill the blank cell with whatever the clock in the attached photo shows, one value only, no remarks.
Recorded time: 6:28
